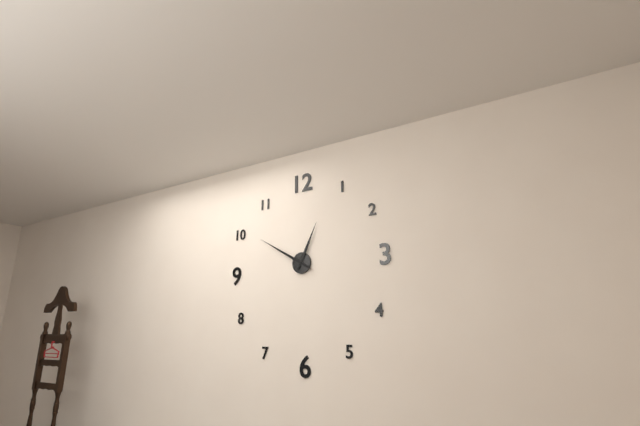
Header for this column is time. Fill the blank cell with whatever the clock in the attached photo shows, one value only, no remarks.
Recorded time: 12:50
